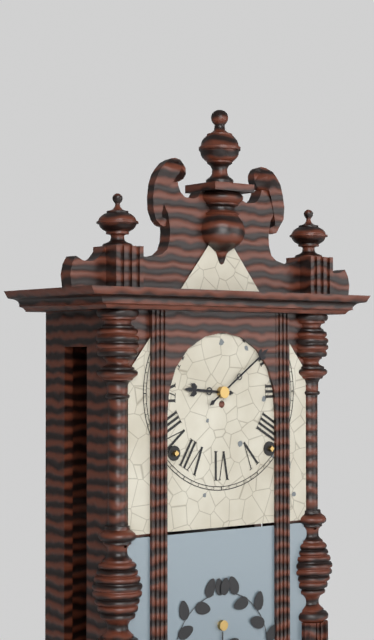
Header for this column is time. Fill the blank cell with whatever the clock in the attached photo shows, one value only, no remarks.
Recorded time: 9:09
